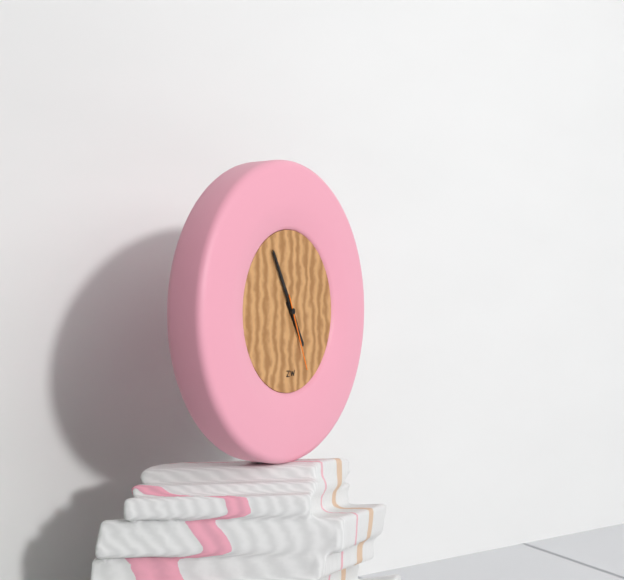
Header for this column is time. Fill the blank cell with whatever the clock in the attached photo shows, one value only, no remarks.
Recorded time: 4:55:26
